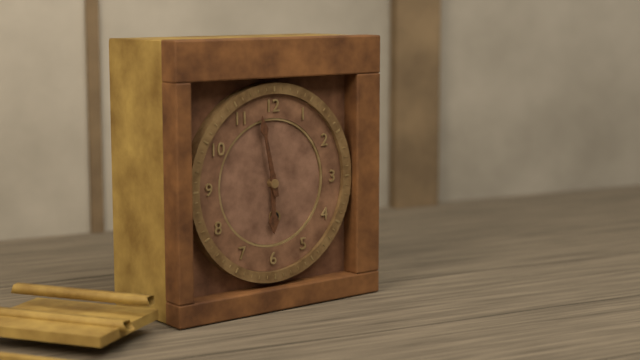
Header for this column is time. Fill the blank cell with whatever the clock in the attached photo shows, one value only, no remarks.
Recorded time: 5:58
